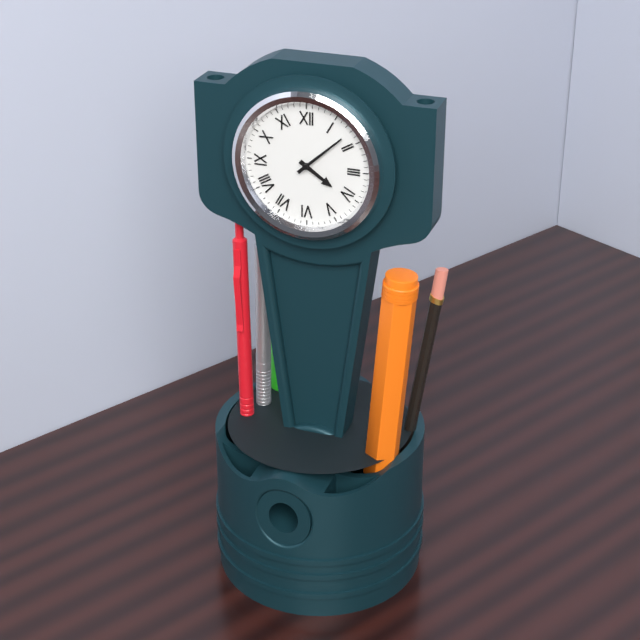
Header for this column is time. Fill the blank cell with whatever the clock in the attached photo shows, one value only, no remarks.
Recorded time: 4:08
